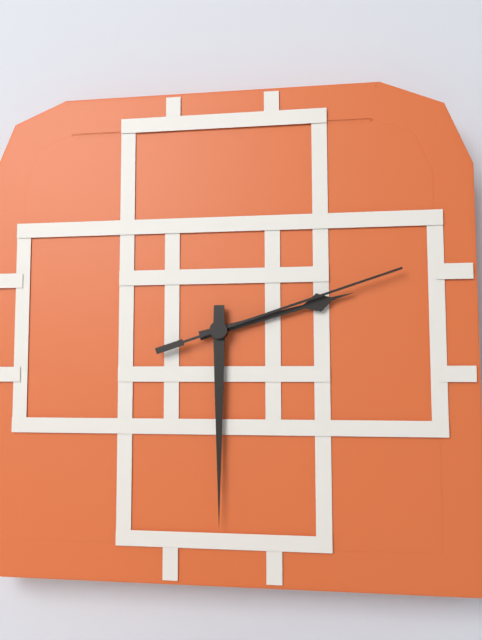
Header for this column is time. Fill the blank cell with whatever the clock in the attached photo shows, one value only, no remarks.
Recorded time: 2:30:12
